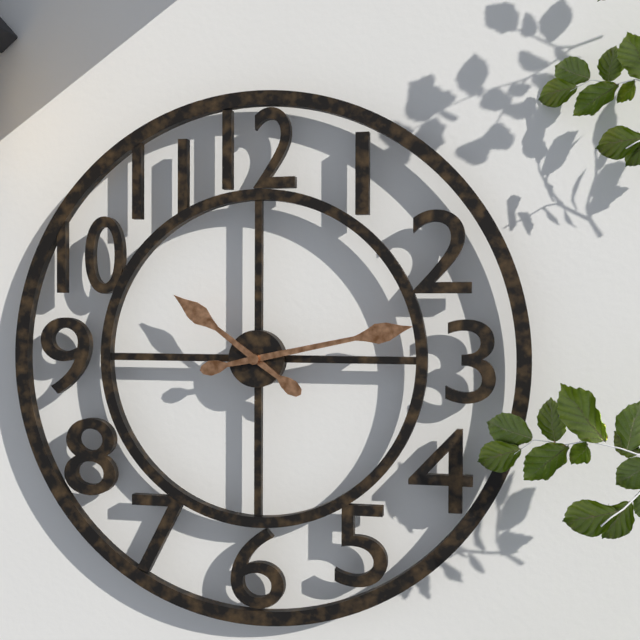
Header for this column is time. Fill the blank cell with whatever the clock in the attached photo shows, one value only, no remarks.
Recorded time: 10:13
